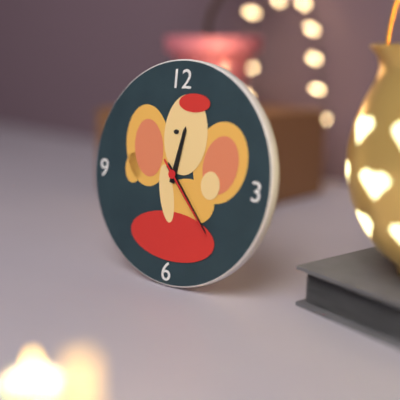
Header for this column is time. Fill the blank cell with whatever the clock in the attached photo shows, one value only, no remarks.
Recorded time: 12:23:23
